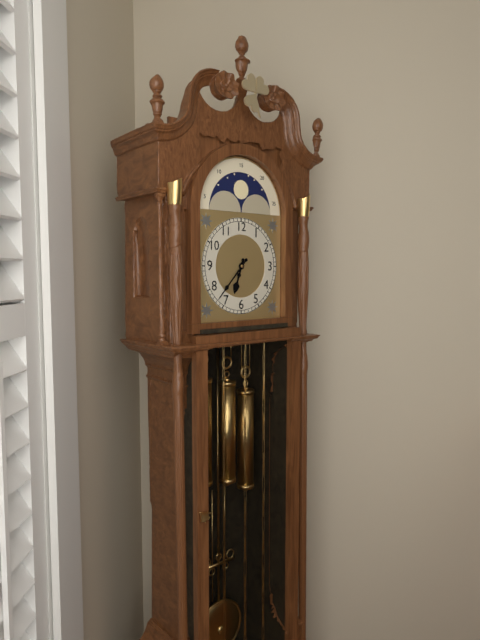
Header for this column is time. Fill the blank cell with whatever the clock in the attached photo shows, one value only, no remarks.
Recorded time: 6:37
